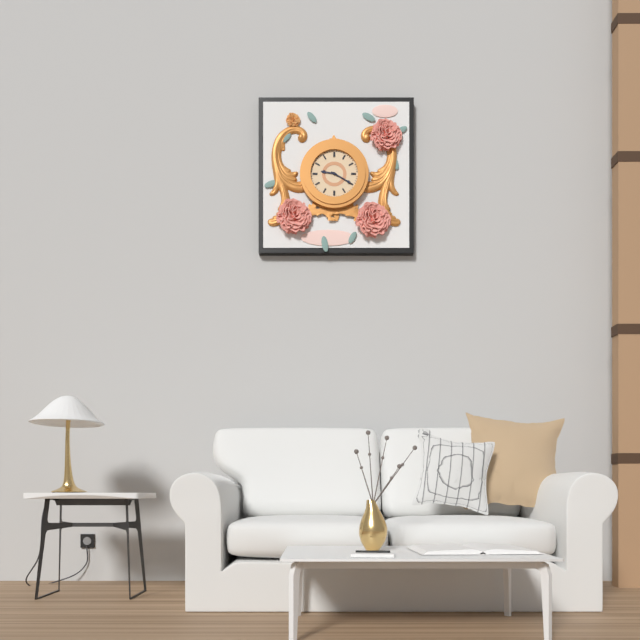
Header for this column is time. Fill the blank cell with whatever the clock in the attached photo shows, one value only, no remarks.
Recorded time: 9:20
